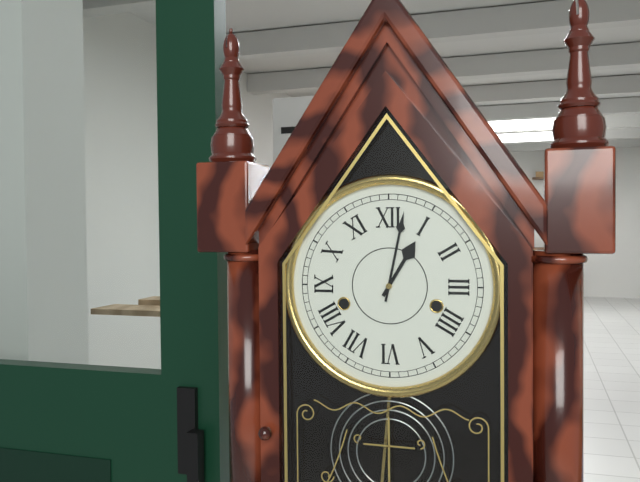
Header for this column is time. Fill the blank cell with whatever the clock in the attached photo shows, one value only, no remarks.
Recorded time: 1:02
